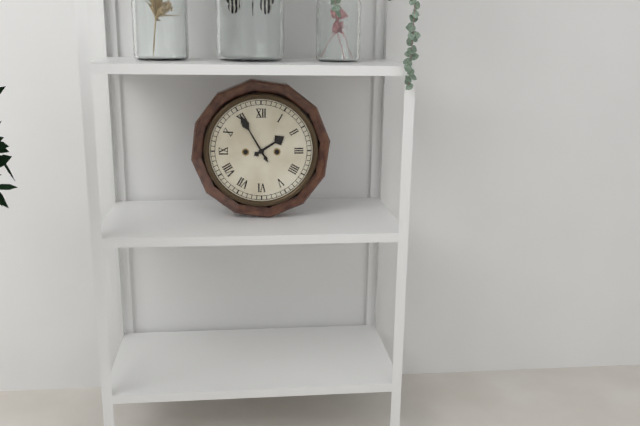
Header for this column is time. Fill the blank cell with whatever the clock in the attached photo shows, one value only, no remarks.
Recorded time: 1:55
